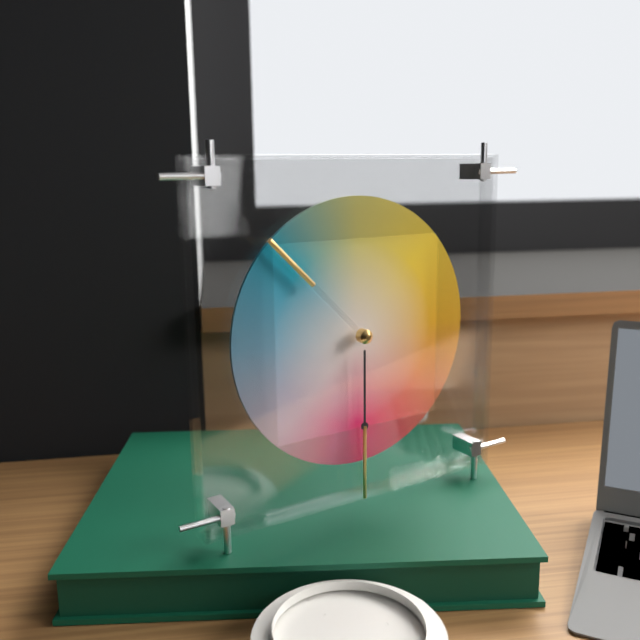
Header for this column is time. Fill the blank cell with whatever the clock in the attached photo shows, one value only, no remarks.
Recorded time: 10:30
